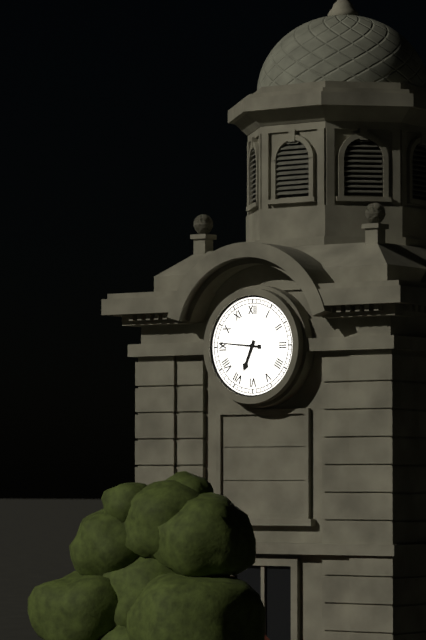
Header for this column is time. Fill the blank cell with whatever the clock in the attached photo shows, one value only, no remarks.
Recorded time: 6:46
